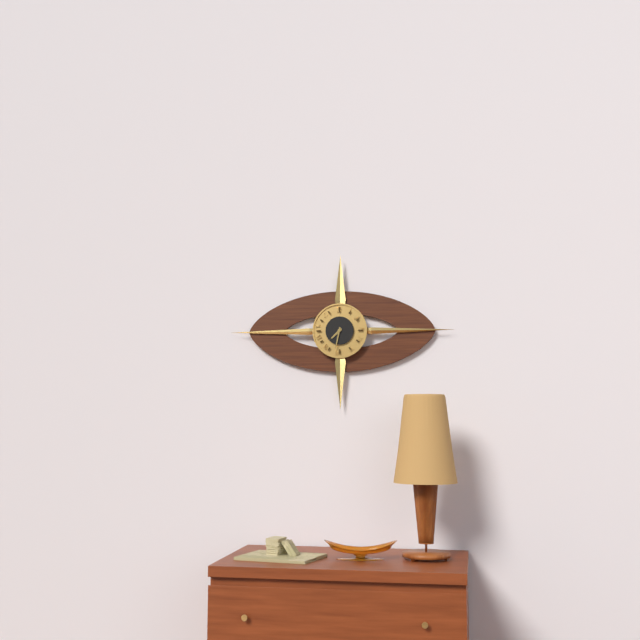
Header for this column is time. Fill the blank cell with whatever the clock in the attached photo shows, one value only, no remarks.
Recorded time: 7:32
